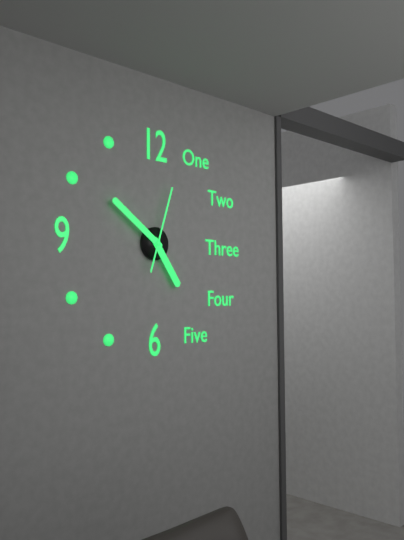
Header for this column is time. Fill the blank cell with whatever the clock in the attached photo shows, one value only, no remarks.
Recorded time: 4:51:03
